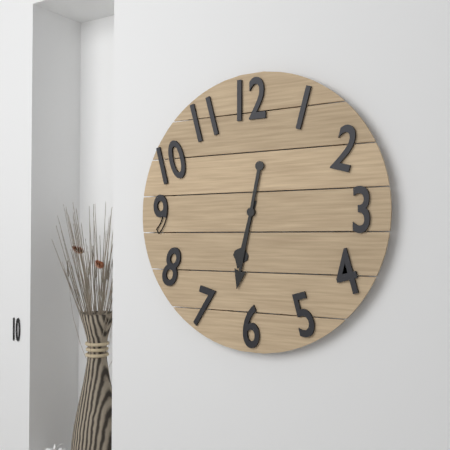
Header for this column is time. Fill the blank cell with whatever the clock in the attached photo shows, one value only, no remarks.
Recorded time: 6:32
